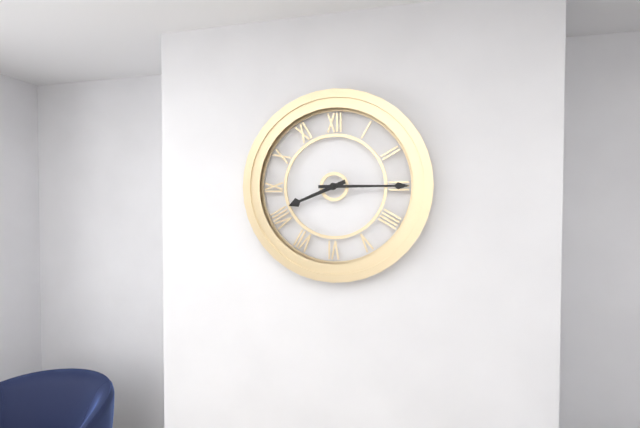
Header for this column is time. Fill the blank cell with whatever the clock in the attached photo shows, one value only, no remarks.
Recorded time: 8:15
